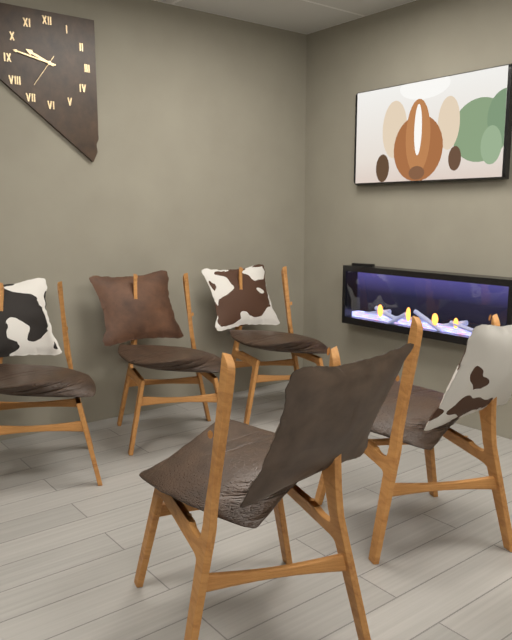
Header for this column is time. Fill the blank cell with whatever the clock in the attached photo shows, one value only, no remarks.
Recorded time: 9:47
